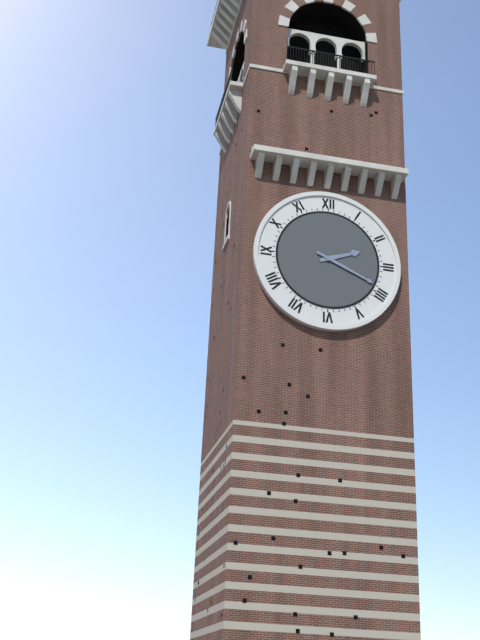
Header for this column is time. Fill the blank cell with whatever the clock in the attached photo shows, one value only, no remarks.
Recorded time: 2:19
